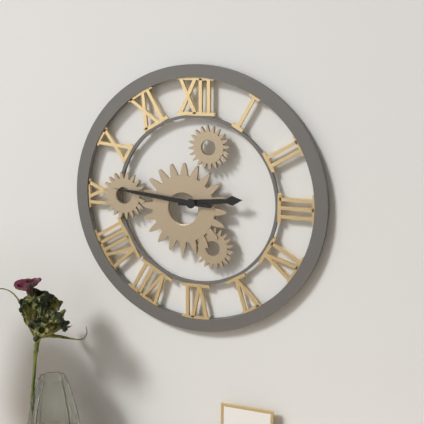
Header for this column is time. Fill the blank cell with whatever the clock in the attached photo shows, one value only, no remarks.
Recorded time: 2:46
